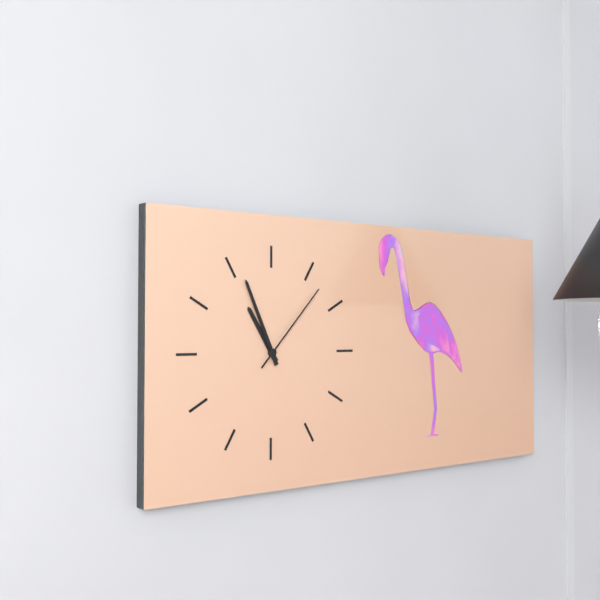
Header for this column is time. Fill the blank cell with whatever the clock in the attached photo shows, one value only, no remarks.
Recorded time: 10:56:07
